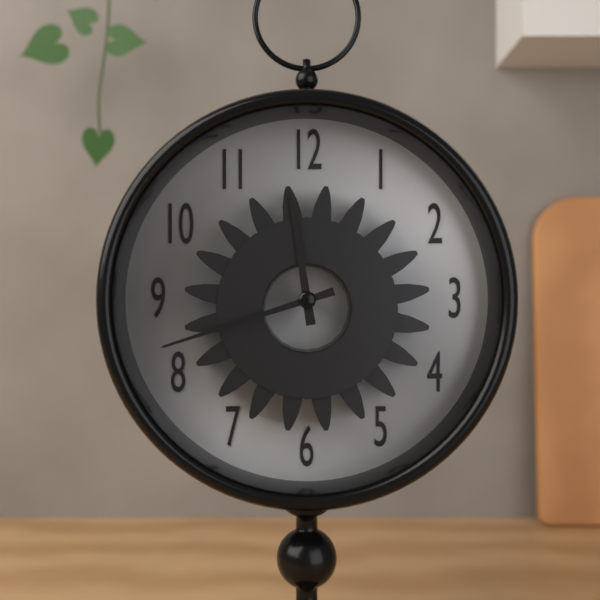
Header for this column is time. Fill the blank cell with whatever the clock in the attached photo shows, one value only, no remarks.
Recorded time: 11:42
